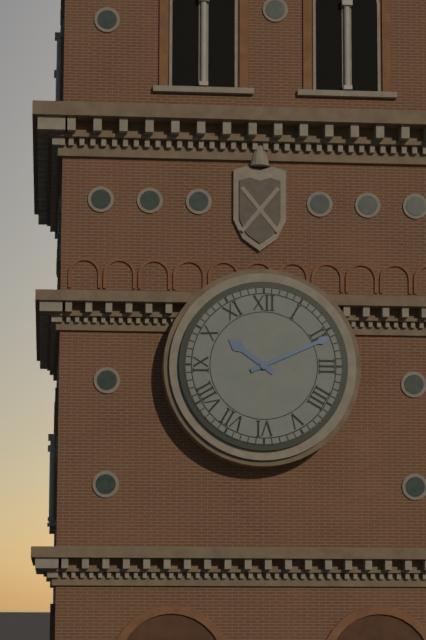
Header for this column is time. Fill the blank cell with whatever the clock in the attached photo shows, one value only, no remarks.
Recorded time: 10:11
